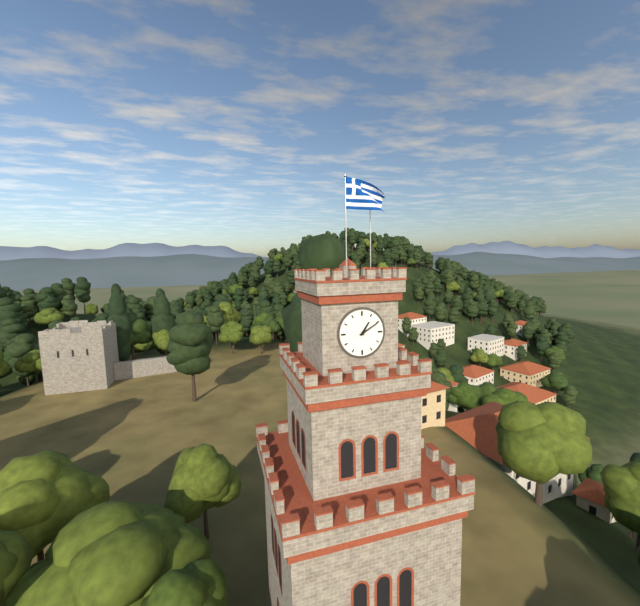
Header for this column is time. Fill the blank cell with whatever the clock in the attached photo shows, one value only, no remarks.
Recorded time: 1:10
